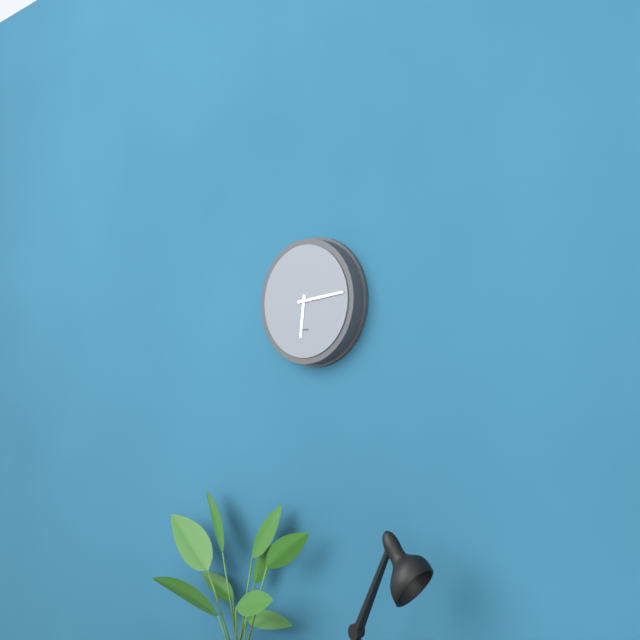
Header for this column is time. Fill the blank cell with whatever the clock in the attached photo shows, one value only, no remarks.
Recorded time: 6:14
